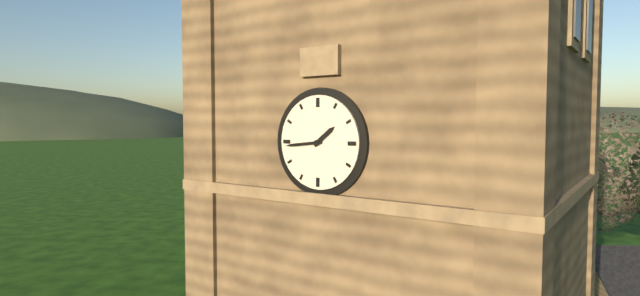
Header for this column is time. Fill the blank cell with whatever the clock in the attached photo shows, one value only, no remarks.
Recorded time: 1:44
